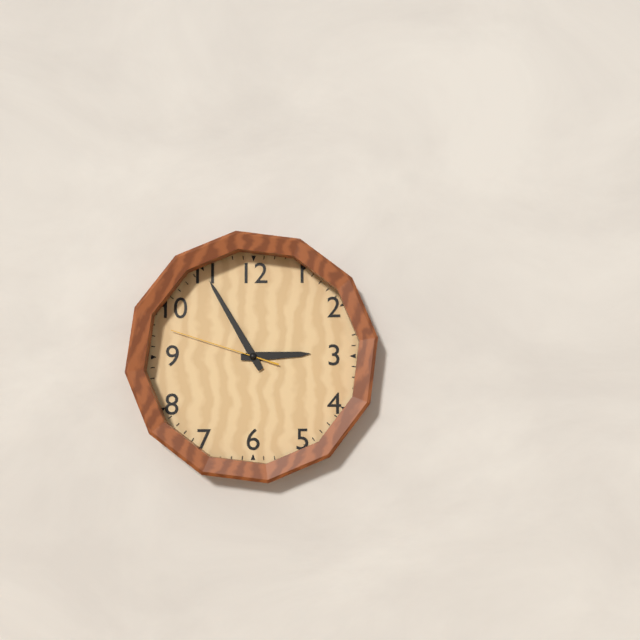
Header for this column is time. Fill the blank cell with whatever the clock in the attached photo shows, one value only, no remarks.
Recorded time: 2:55:48
